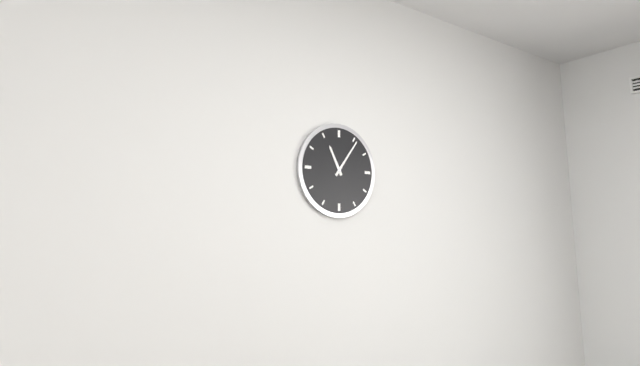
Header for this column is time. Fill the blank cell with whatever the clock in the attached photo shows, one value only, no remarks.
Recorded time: 11:06
